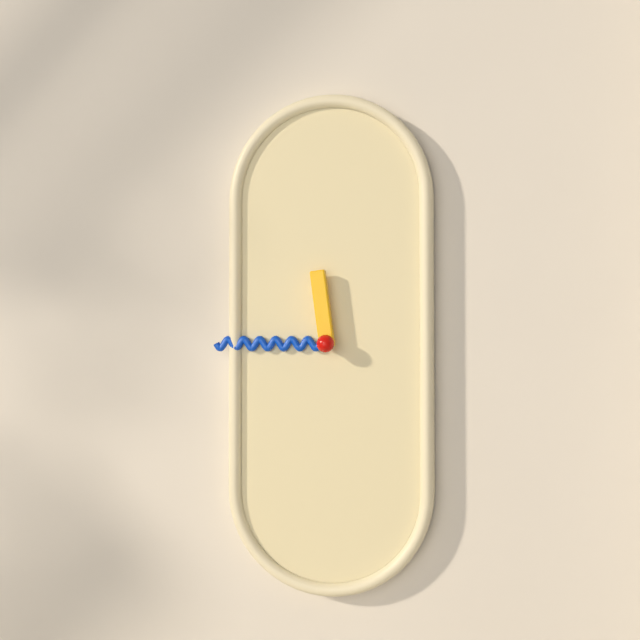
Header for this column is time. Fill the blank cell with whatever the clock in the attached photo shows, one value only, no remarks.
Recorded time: 11:45
